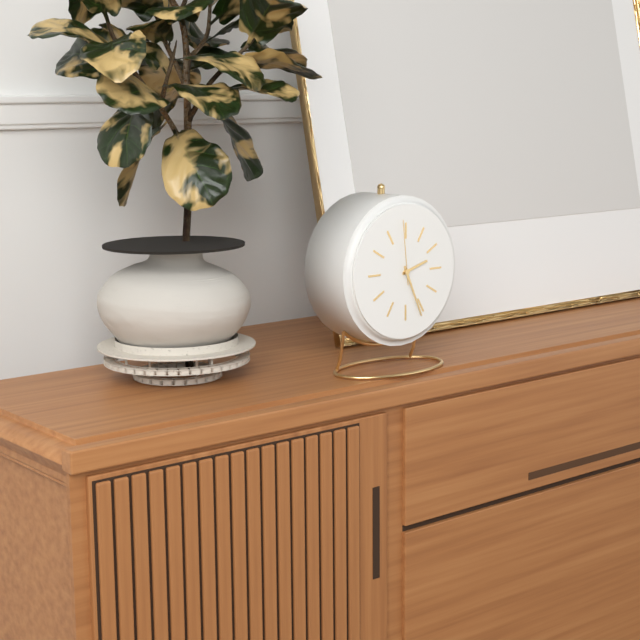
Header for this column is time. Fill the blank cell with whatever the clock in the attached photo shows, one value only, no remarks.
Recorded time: 2:26:59
